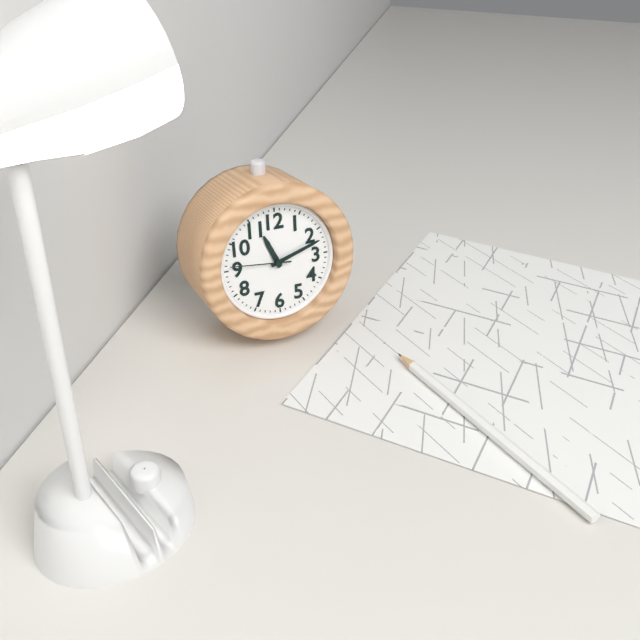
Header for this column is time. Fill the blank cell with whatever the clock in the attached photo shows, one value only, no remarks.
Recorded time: 11:12:46
